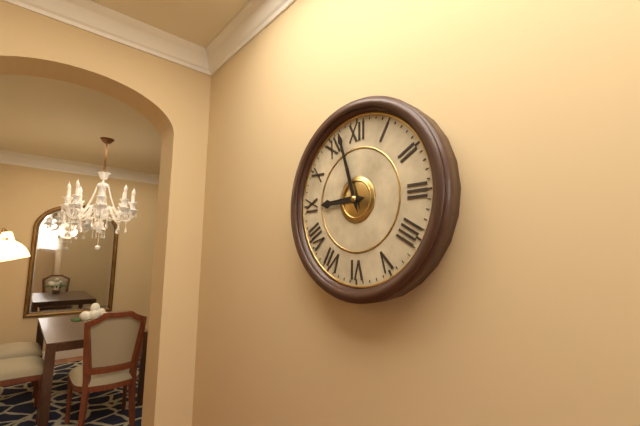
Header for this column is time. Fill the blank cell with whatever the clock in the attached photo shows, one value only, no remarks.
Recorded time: 8:57
